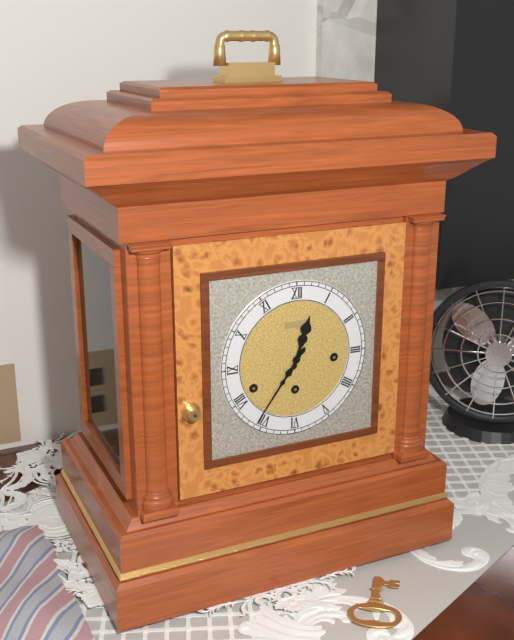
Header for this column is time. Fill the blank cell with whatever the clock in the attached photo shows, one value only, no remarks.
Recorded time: 12:36
